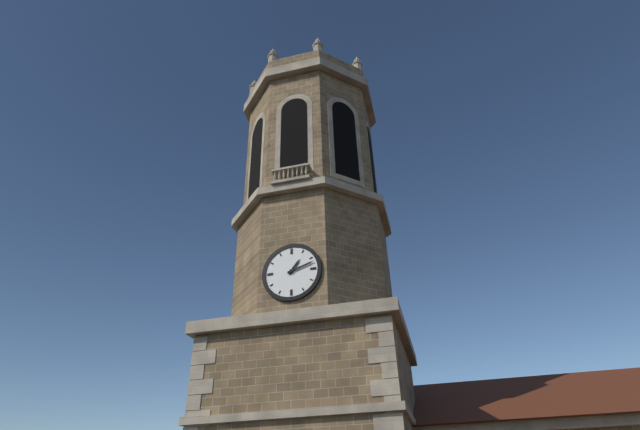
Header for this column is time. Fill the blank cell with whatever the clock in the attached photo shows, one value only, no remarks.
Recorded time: 1:12
